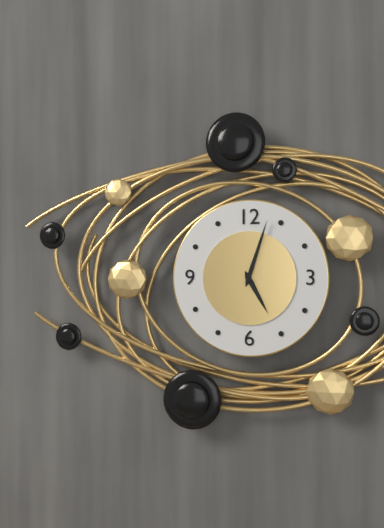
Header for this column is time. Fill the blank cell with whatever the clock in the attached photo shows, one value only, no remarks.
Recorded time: 5:03
